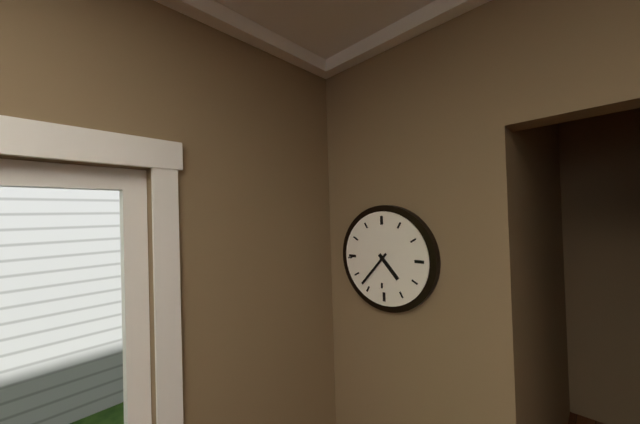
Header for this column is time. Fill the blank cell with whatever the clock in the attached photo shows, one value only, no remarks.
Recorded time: 4:37
